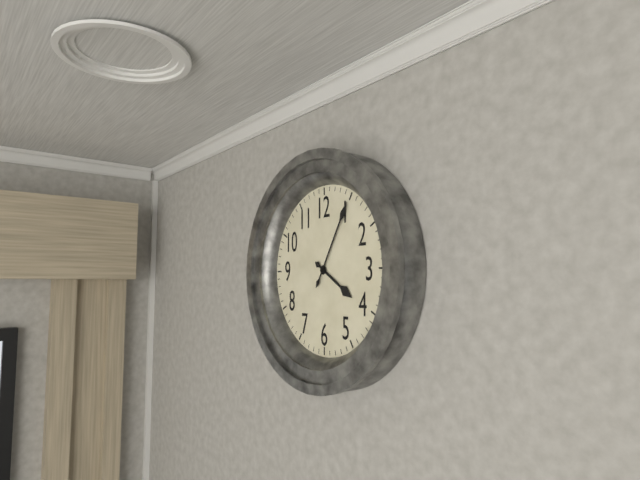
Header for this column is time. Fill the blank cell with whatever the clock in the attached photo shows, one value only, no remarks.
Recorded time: 4:05
